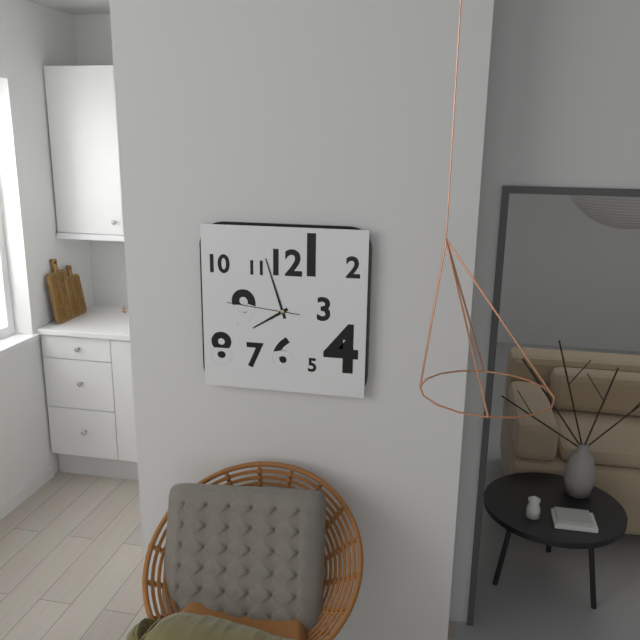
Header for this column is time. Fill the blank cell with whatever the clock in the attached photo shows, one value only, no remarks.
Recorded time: 7:57:46
